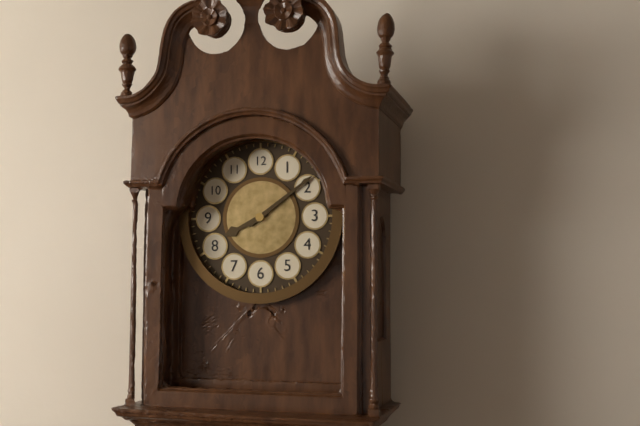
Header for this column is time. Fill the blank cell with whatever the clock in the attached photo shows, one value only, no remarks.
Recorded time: 8:09
